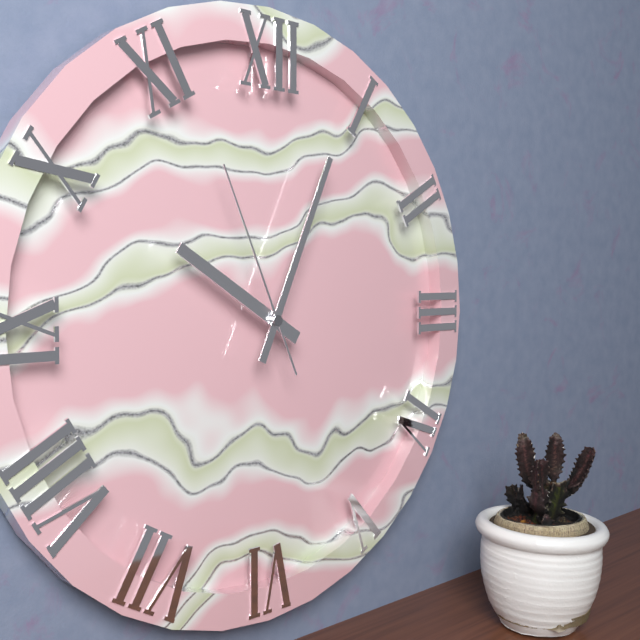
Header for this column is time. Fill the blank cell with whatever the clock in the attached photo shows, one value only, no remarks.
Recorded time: 10:04:56
